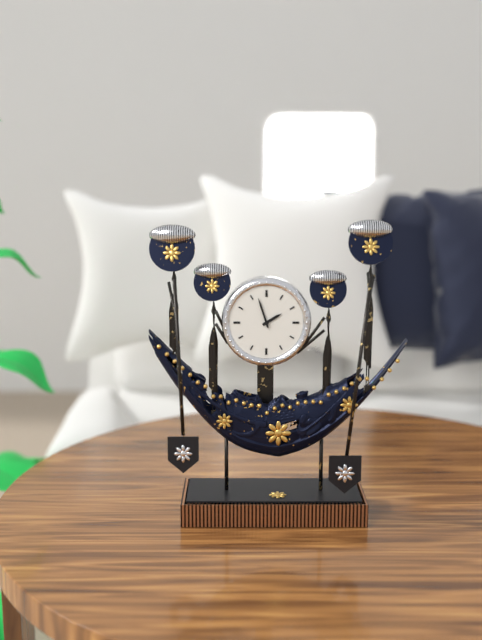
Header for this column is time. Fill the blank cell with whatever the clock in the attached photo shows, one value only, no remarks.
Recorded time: 1:57
